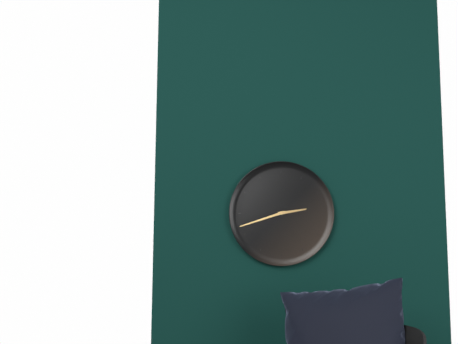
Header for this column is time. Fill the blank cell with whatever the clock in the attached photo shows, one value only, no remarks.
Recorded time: 2:42
